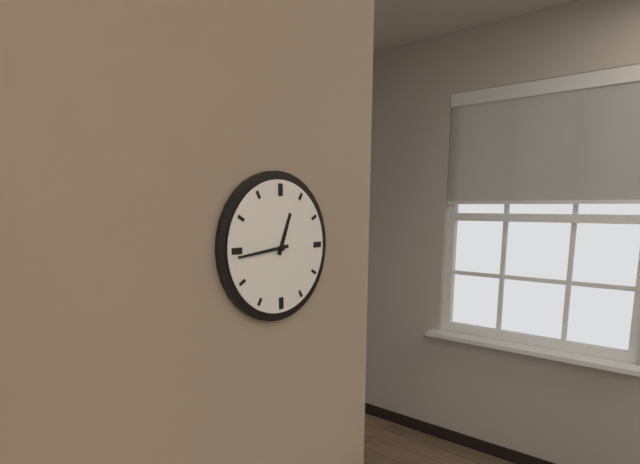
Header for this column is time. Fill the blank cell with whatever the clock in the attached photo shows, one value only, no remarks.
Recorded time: 12:44
